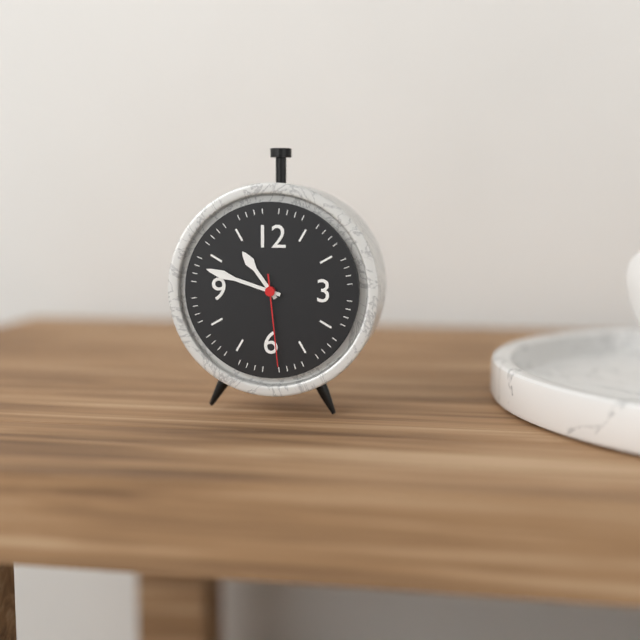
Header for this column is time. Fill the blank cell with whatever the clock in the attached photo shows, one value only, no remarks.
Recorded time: 10:48:29
